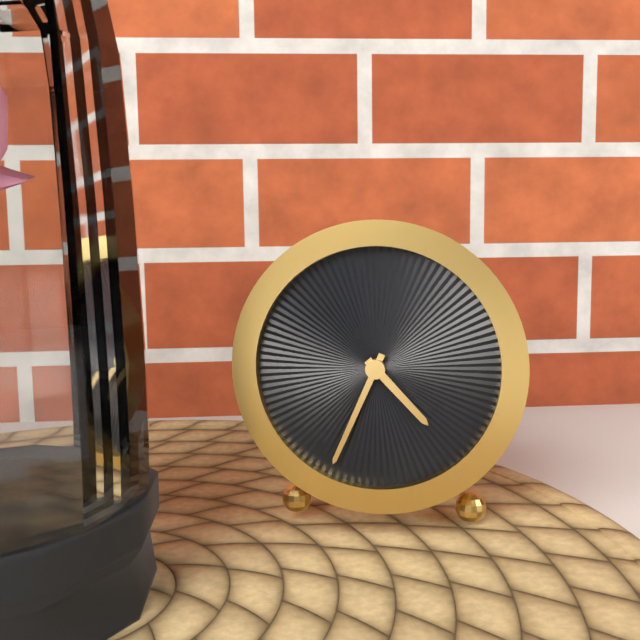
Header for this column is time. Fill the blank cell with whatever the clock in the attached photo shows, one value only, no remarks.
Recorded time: 4:34
